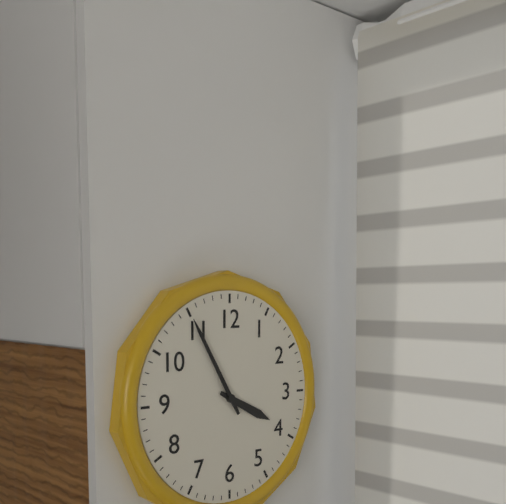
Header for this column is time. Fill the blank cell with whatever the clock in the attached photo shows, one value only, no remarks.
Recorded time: 3:55
